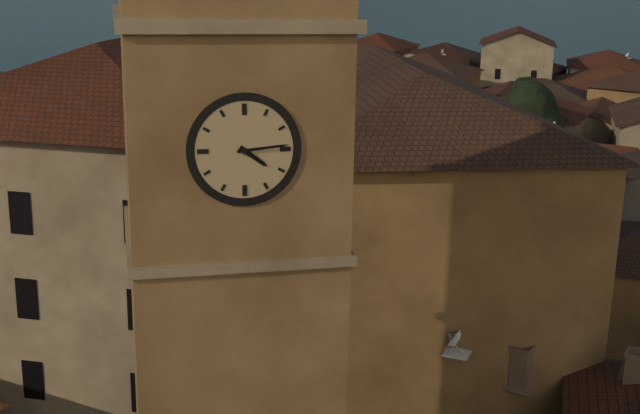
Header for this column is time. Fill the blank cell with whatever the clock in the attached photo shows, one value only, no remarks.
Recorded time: 4:14
